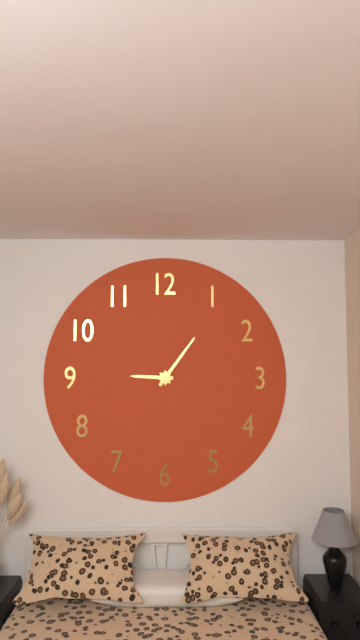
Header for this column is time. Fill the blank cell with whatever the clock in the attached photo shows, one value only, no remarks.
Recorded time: 9:06
